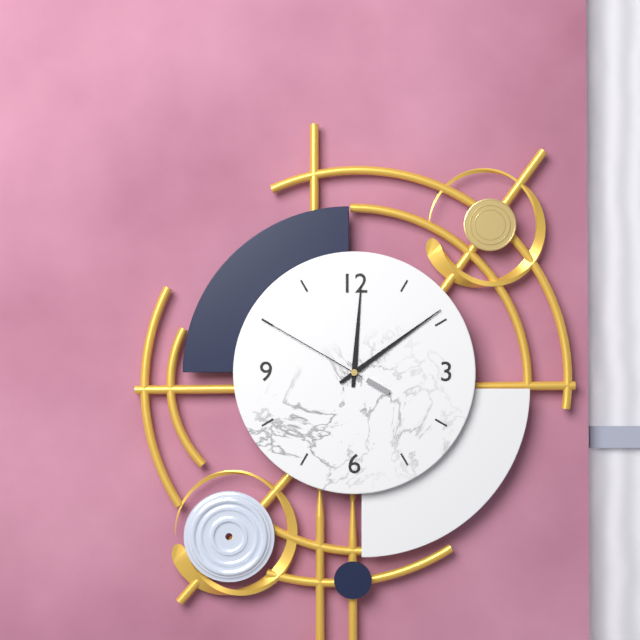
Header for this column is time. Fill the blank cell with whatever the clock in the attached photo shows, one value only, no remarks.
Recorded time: 12:09:50
